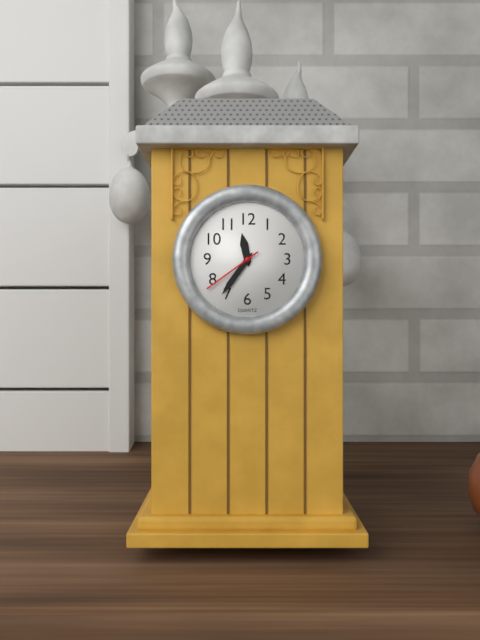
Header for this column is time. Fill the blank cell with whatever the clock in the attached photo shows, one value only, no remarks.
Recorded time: 11:36:39
